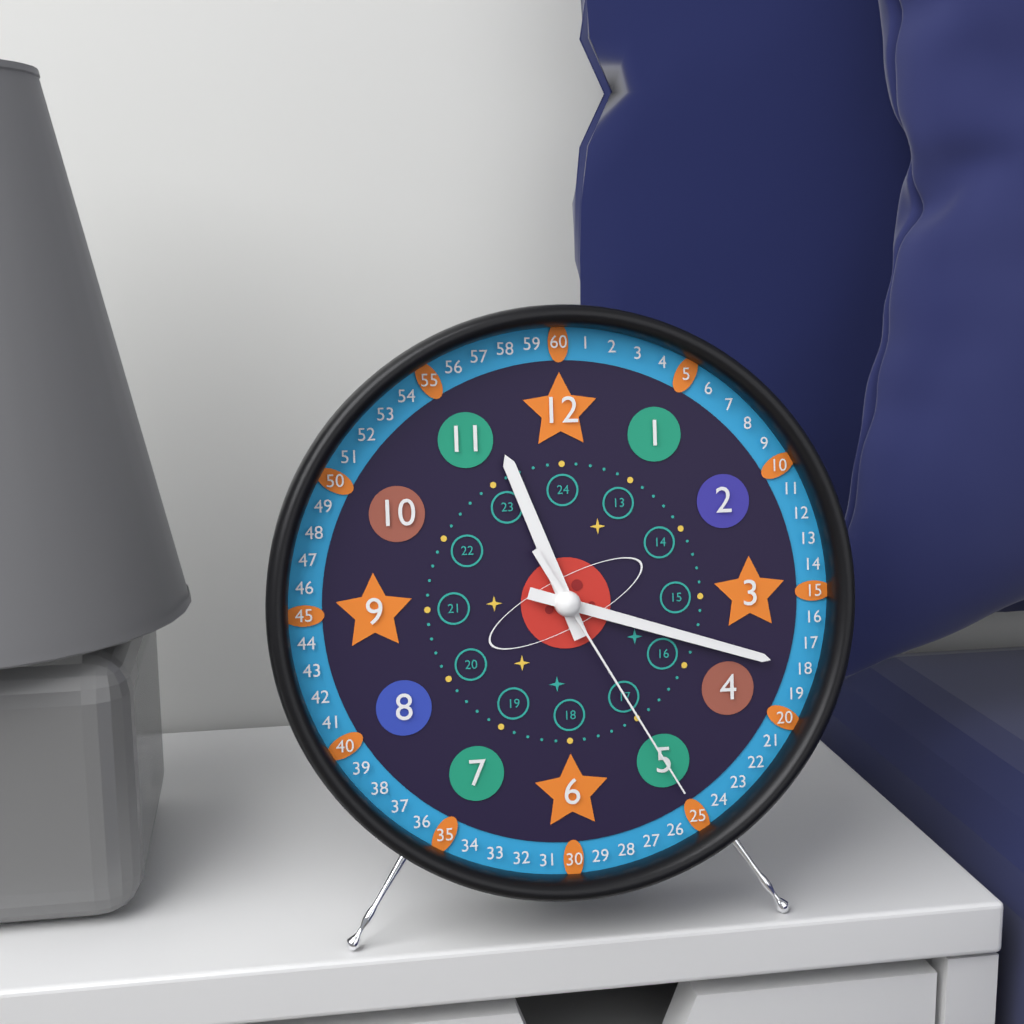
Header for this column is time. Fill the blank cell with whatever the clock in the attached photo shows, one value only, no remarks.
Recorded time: 11:18:25
